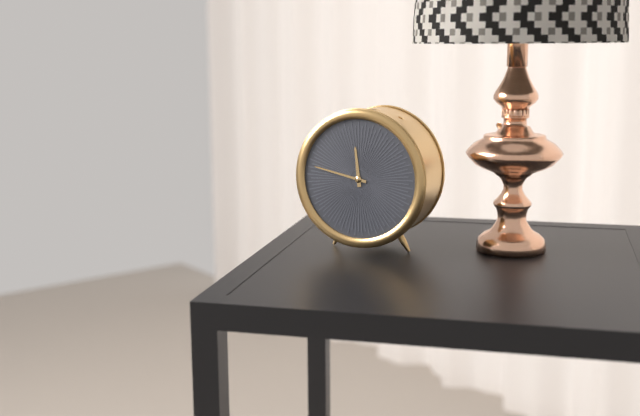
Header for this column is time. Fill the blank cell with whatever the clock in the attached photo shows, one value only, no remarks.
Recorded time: 11:47
